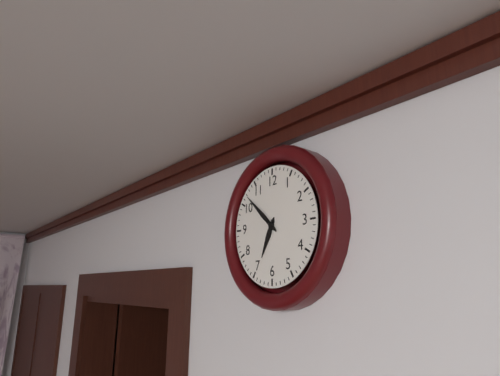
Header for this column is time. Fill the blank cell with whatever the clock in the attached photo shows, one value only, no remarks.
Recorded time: 6:52
